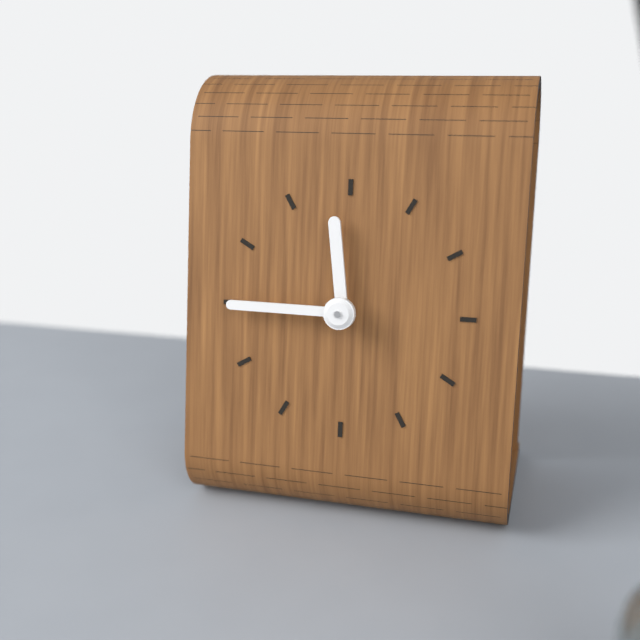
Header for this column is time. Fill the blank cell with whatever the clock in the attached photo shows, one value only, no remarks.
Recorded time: 11:45
